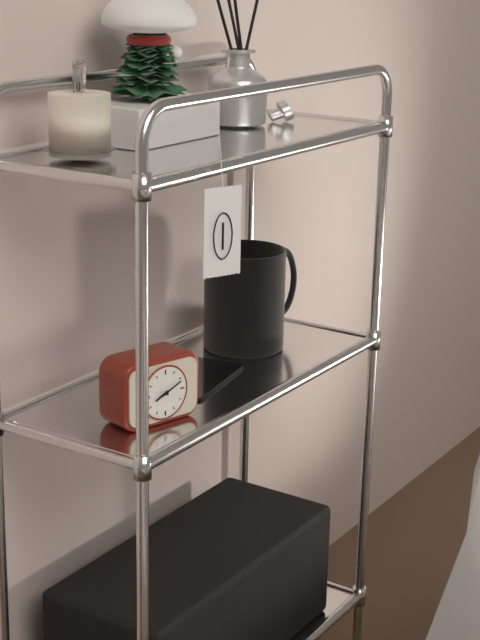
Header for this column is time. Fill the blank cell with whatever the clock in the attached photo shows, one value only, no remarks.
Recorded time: 8:11
